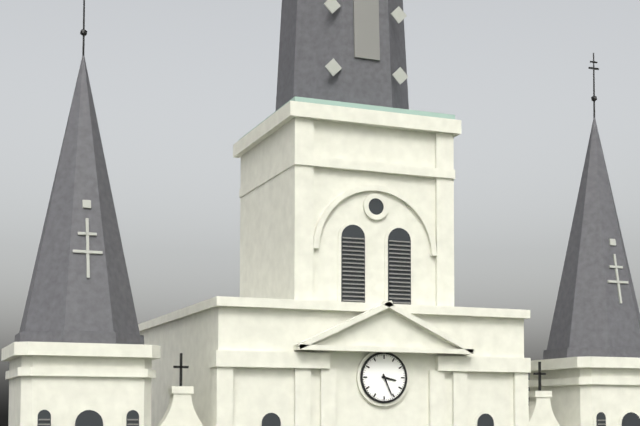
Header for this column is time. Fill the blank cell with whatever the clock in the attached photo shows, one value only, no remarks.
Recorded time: 3:26
